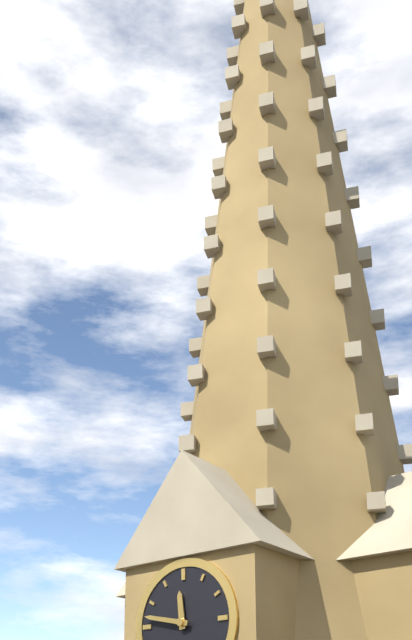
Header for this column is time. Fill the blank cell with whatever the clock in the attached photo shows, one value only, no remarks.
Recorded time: 11:47
